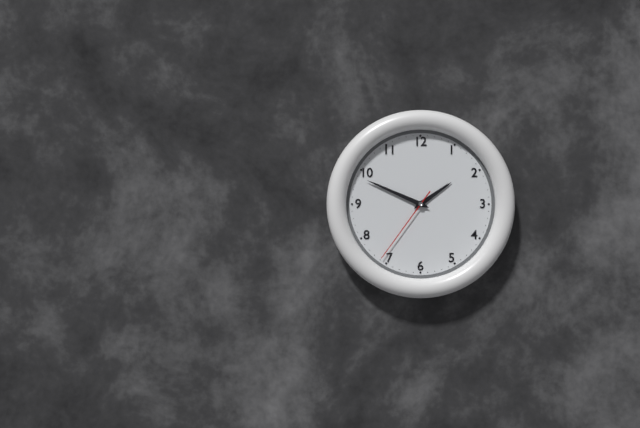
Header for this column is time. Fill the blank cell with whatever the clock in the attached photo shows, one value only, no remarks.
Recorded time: 1:49:36
